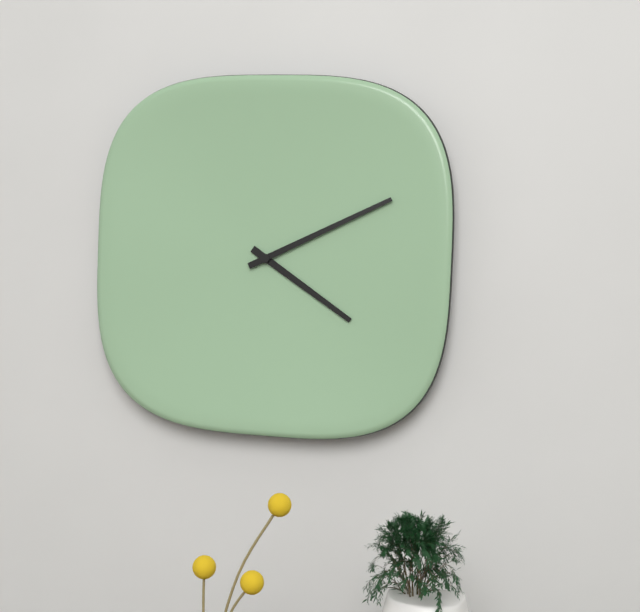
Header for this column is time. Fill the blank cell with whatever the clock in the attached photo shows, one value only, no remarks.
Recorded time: 4:11
